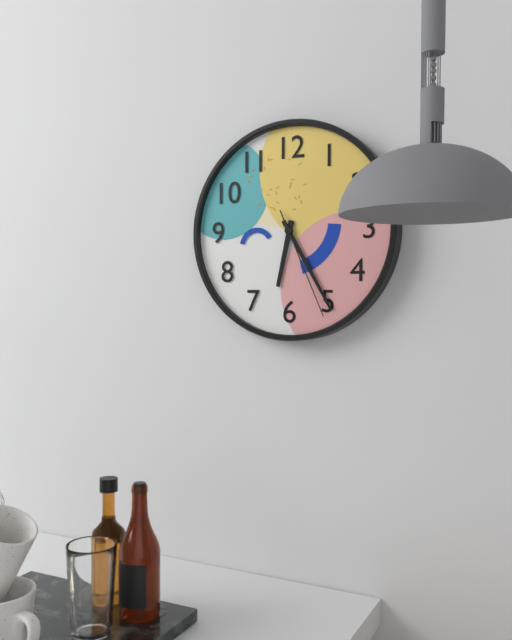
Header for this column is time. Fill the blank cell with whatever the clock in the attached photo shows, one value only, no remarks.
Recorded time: 6:25:26
